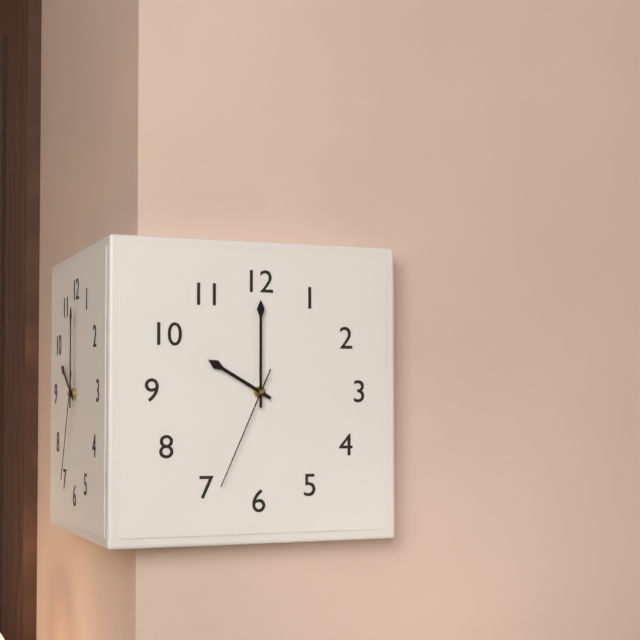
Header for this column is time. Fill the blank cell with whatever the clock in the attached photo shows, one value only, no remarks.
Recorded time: 10:00:34
